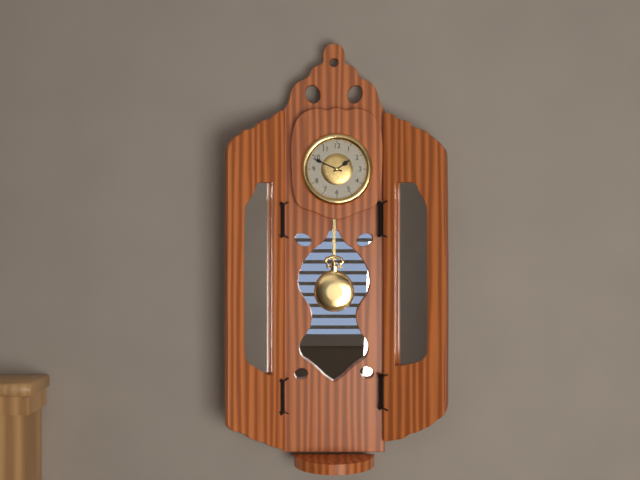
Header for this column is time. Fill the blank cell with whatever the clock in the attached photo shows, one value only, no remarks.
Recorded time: 1:49
